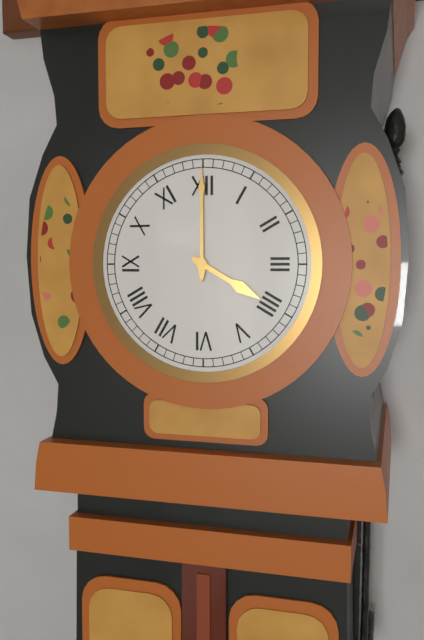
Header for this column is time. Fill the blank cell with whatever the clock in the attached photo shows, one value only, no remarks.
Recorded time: 4:00
